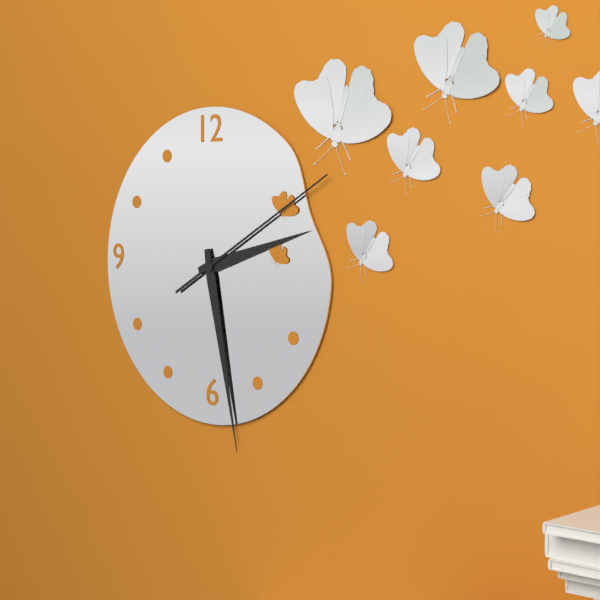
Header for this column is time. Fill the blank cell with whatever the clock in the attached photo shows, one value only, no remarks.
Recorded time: 2:28:10
